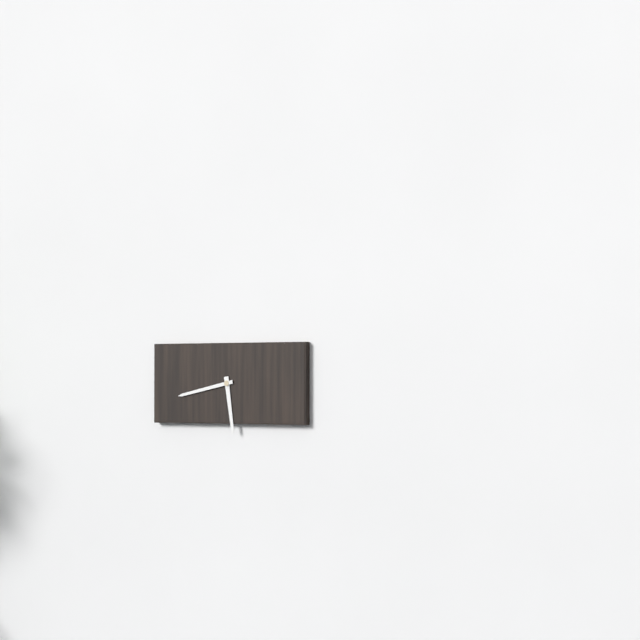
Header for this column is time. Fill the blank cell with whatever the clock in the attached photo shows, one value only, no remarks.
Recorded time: 5:43
